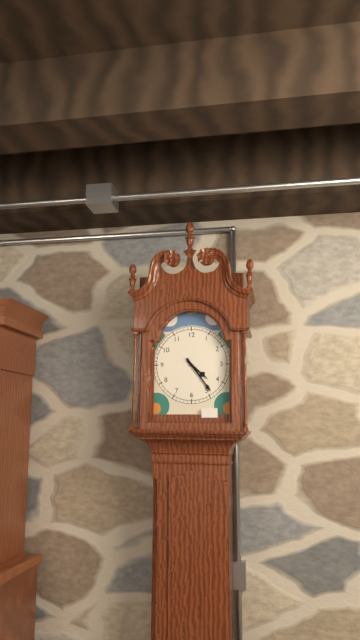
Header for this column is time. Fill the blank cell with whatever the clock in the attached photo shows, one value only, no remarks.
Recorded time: 4:24
